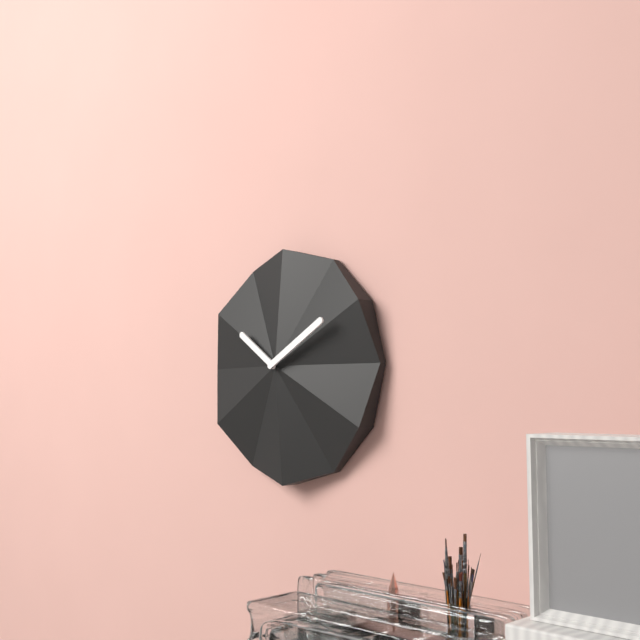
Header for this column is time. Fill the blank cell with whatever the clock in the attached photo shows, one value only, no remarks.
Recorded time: 10:10
